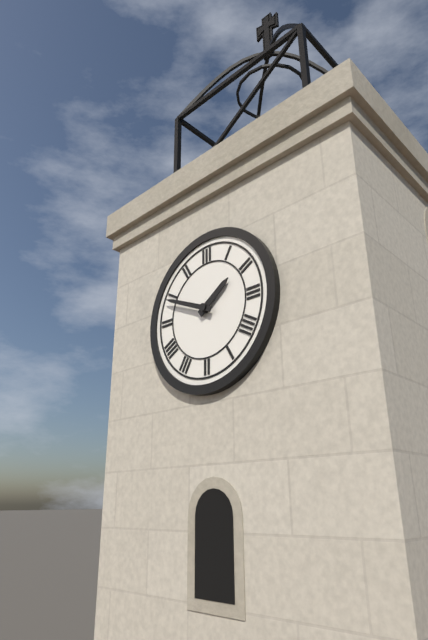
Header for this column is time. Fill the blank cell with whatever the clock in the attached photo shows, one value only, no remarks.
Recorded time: 1:49
